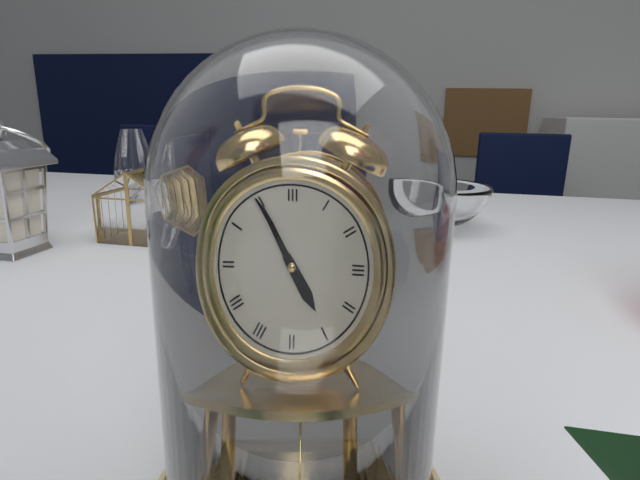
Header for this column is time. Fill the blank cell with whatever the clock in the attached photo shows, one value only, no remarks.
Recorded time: 4:55
